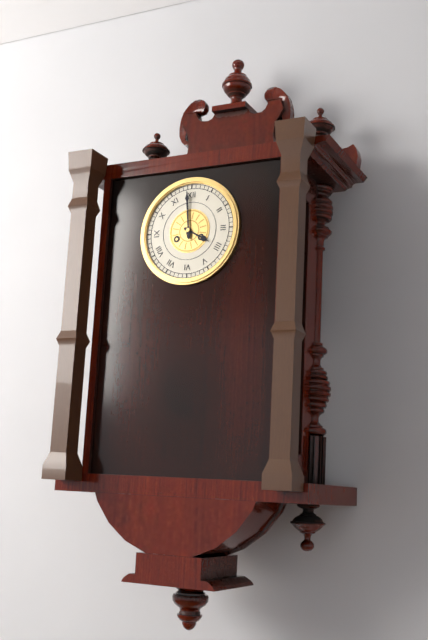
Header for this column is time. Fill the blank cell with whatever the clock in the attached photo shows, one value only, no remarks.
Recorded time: 3:59
